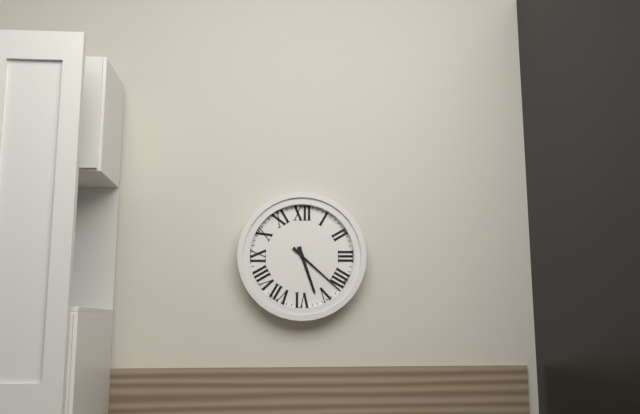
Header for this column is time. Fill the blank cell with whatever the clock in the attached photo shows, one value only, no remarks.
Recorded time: 5:22
